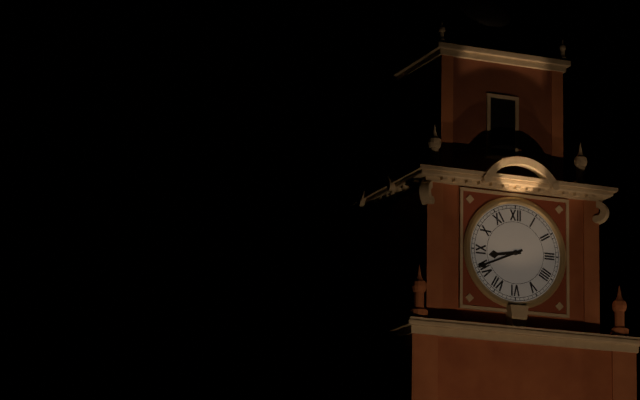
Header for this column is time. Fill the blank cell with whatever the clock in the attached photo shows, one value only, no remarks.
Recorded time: 8:41
